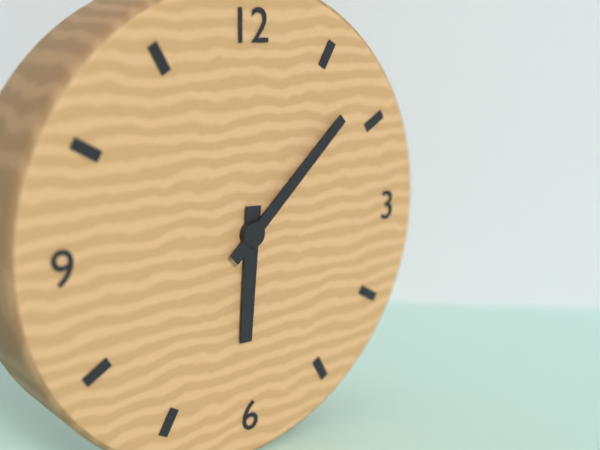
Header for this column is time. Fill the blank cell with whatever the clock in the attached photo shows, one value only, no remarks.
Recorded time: 6:08
